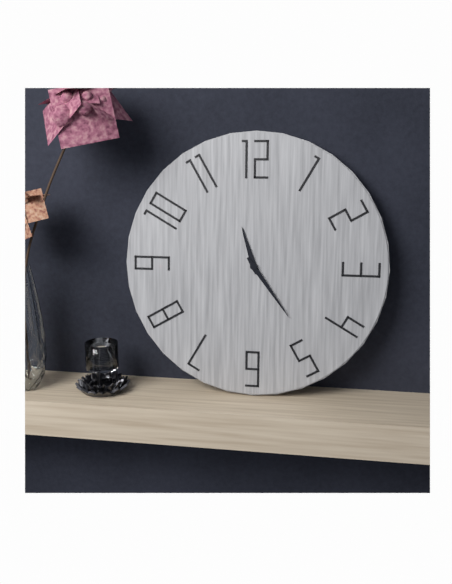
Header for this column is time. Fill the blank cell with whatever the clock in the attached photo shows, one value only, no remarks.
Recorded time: 11:24
